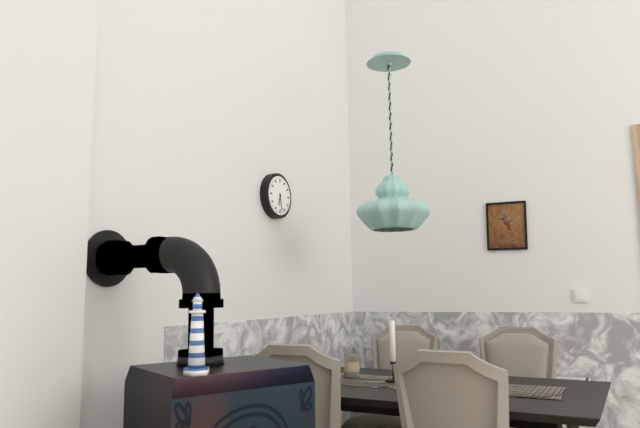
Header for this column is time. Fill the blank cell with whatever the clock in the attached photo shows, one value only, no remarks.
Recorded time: 6:28
